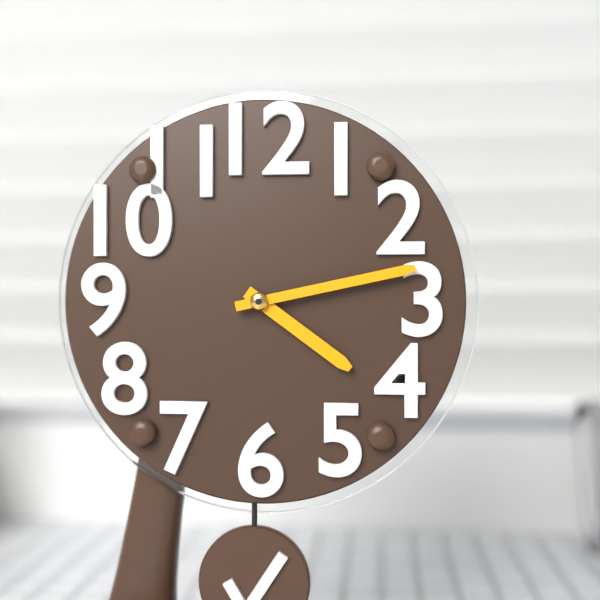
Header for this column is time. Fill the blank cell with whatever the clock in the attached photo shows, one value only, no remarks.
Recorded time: 4:13
